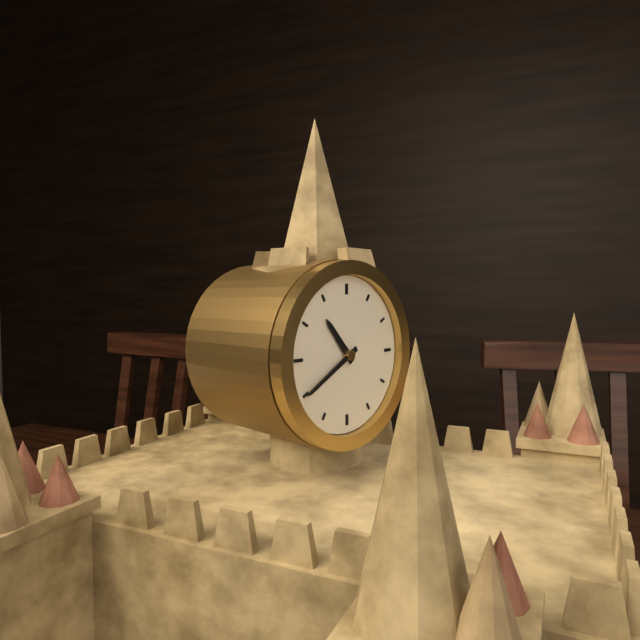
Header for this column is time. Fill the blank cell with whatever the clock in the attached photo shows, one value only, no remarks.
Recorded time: 10:40
